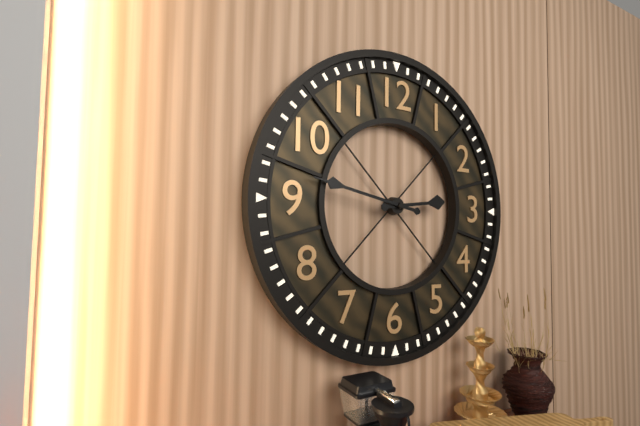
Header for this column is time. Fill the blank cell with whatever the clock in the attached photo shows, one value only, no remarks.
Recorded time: 2:47
